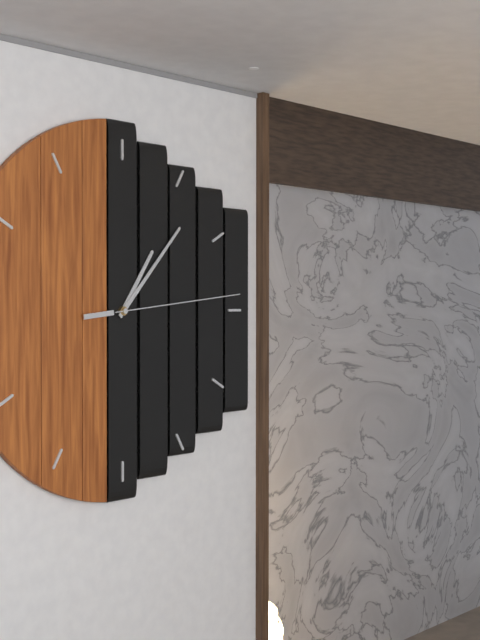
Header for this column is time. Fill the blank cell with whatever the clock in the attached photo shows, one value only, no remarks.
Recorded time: 1:07:14
